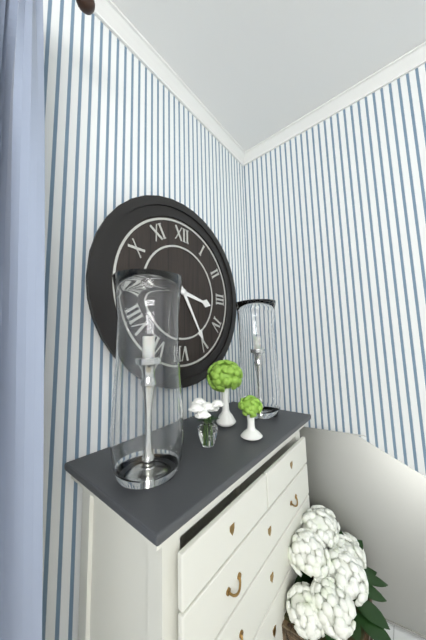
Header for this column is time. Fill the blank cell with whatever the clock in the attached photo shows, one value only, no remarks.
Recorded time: 3:25
